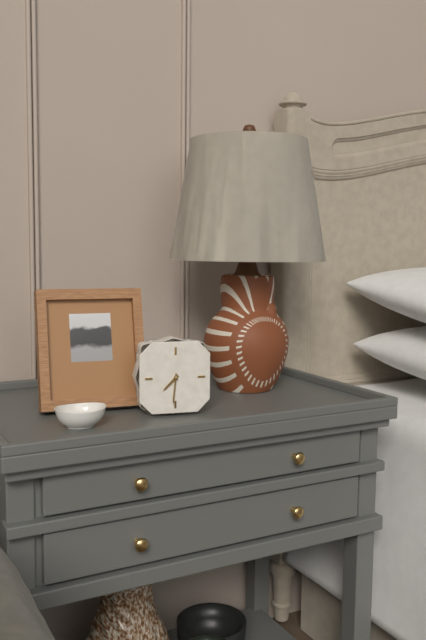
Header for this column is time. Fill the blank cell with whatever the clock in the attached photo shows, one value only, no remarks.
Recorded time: 7:31
